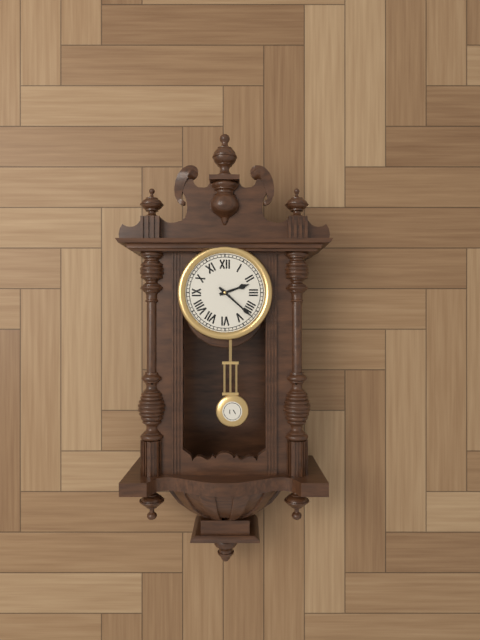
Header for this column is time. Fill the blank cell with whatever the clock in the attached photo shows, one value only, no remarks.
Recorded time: 2:22
